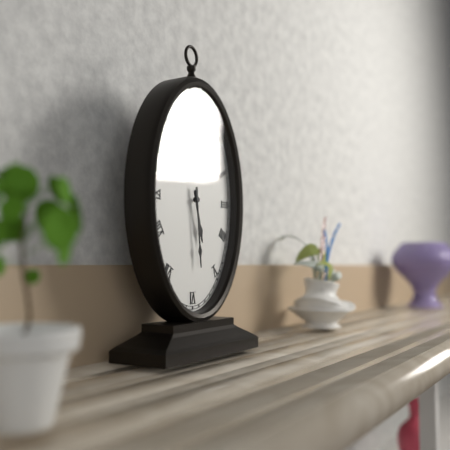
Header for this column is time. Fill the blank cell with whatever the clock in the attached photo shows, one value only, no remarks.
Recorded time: 5:29
